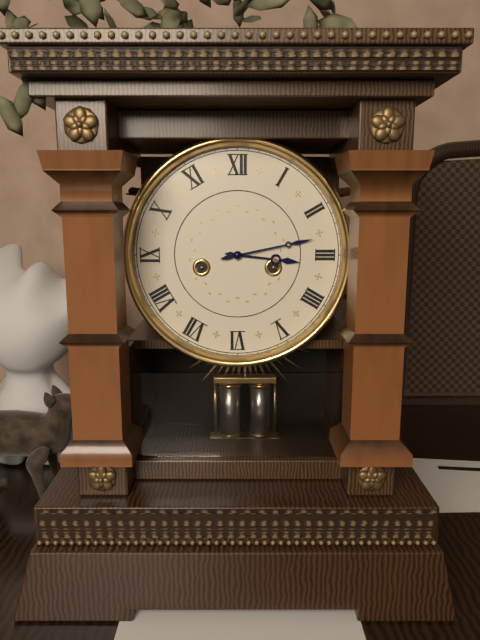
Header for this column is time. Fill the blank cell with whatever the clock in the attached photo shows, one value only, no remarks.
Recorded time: 3:13
